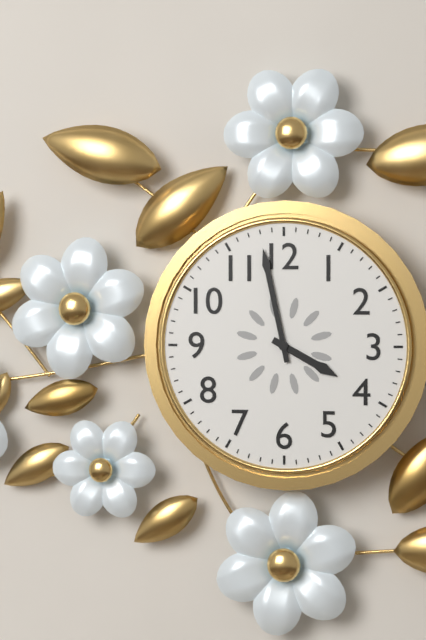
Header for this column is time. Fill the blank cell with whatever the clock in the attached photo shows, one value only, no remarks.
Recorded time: 3:58
